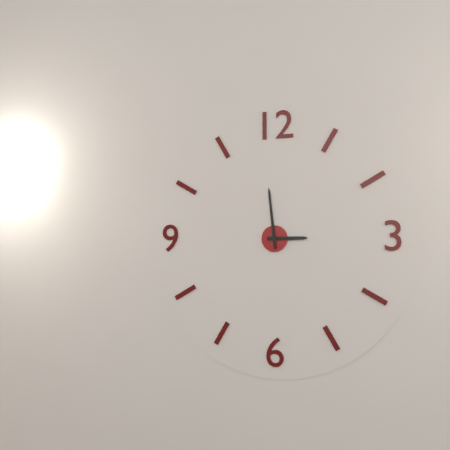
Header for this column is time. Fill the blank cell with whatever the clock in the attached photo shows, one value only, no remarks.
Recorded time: 2:59
